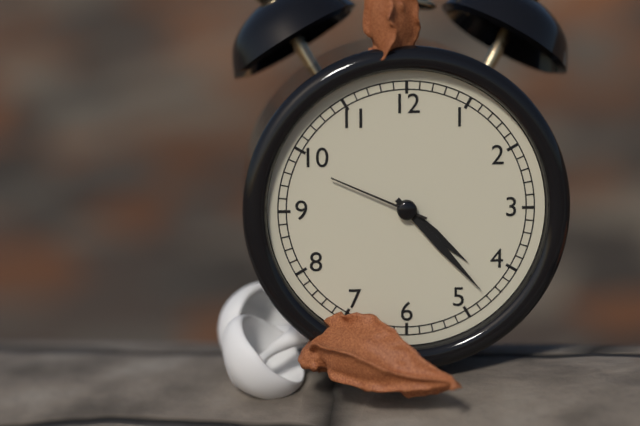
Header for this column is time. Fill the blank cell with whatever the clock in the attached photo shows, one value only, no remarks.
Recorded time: 4:23:49
